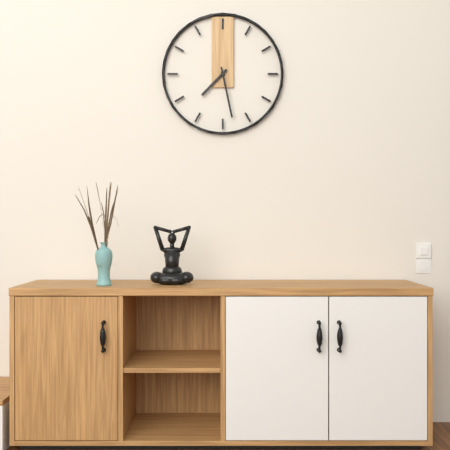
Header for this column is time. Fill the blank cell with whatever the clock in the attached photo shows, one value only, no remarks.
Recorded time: 7:28
